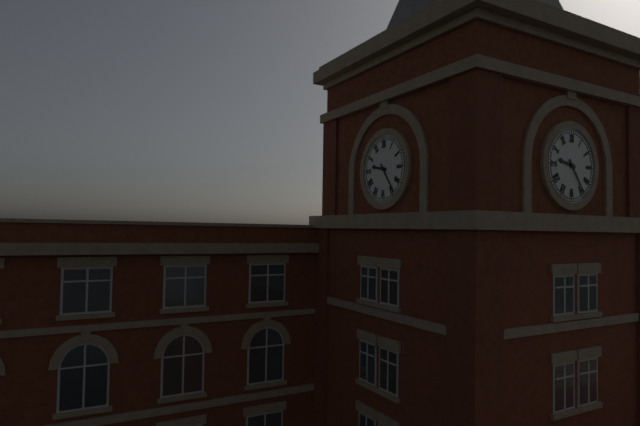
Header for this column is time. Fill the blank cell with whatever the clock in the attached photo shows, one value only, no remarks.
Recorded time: 9:24
